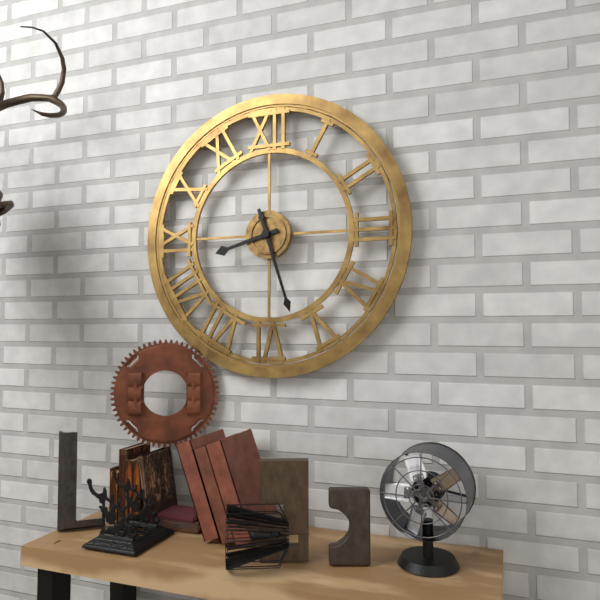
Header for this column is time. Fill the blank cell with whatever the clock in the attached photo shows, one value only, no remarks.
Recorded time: 8:27
